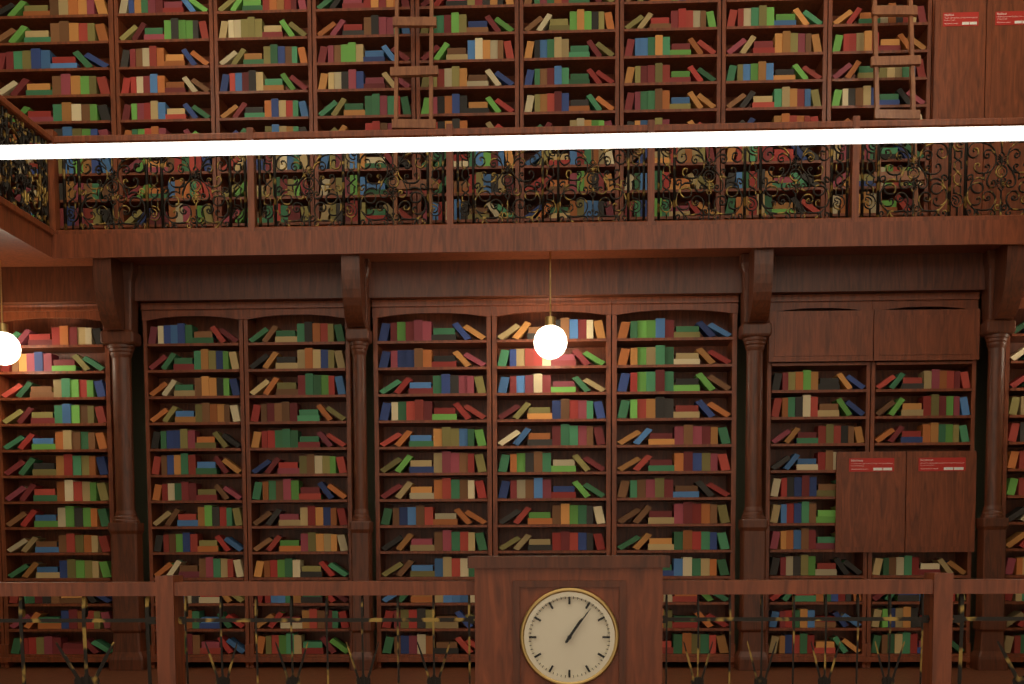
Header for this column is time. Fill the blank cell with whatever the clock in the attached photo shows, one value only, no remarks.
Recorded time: 1:06
